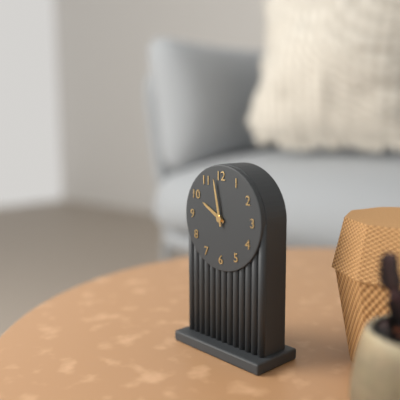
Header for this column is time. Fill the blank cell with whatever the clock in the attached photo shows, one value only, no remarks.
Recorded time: 9:58
